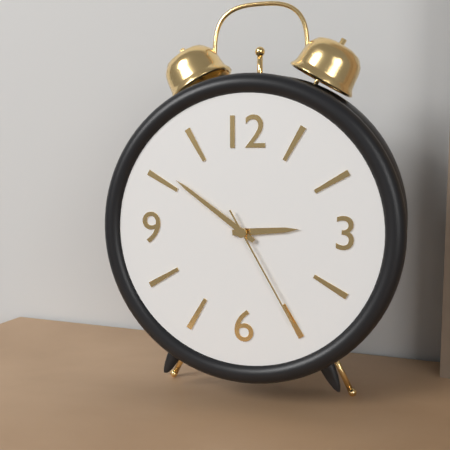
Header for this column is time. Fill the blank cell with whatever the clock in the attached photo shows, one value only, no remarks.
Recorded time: 2:51:25
